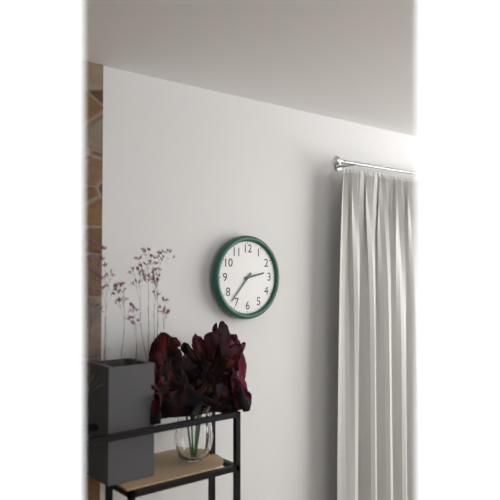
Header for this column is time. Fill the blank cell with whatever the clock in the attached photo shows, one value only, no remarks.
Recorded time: 2:37
